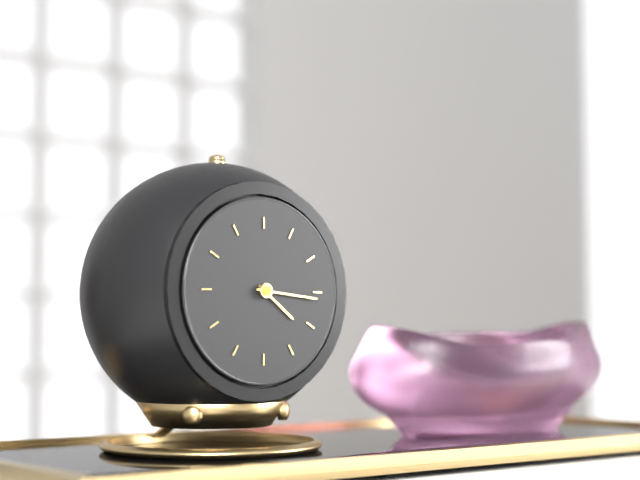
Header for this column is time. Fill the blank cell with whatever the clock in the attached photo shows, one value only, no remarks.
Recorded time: 4:16
